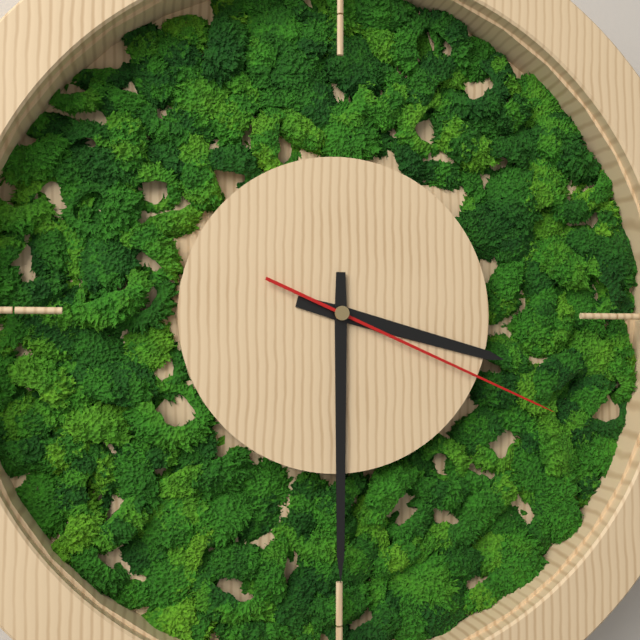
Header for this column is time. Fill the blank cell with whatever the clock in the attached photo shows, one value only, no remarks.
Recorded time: 3:30:19
